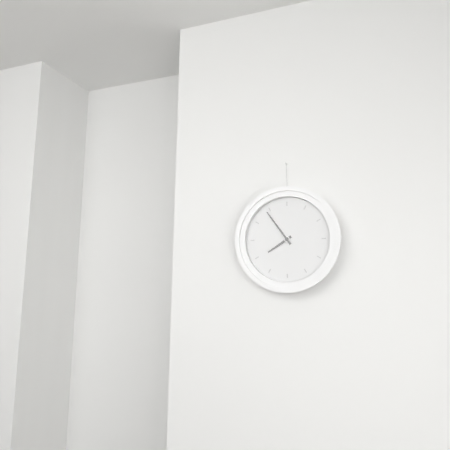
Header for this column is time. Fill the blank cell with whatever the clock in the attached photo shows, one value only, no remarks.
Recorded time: 7:54
